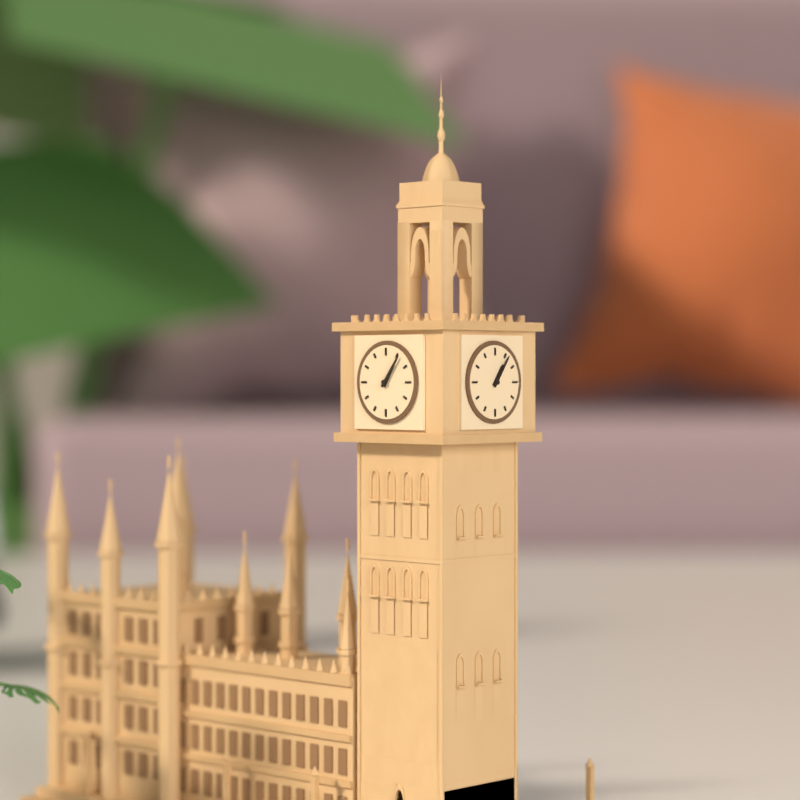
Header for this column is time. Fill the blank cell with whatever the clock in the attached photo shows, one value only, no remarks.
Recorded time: 1:06
